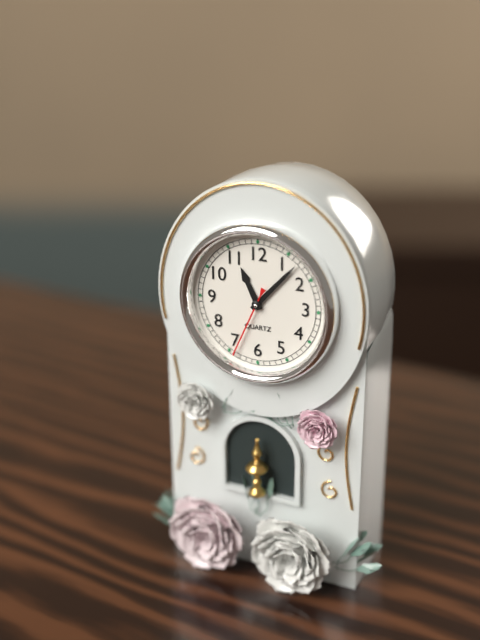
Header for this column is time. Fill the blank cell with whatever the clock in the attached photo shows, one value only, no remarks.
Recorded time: 11:07:34
